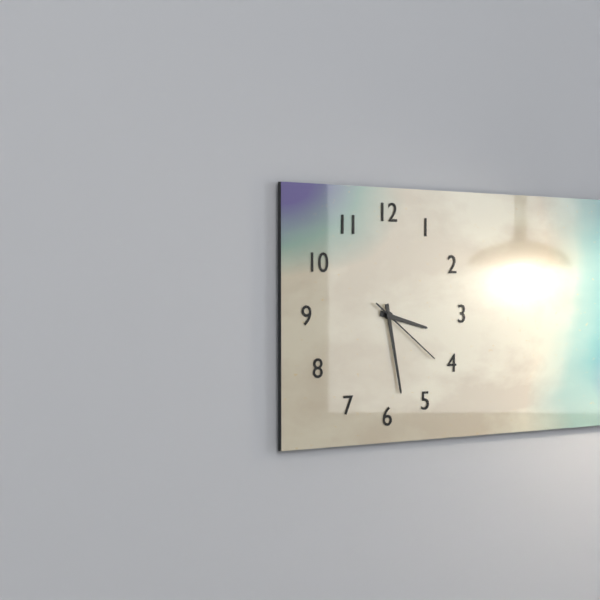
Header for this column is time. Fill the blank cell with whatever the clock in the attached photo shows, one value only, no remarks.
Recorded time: 3:28:21
